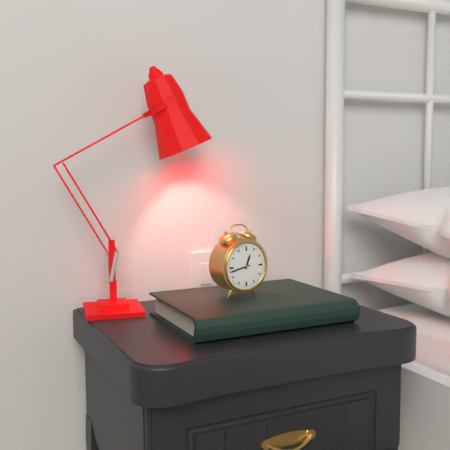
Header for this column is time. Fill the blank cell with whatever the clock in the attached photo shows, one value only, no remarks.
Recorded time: 12:43
